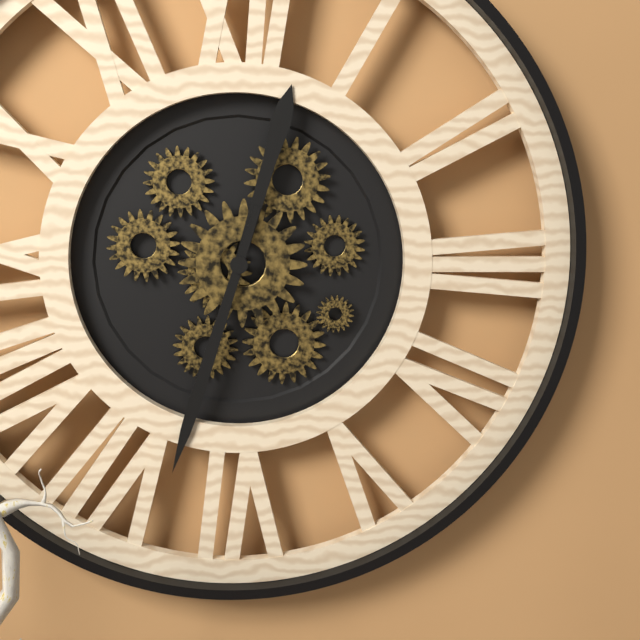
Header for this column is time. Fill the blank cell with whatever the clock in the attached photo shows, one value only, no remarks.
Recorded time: 12:33
